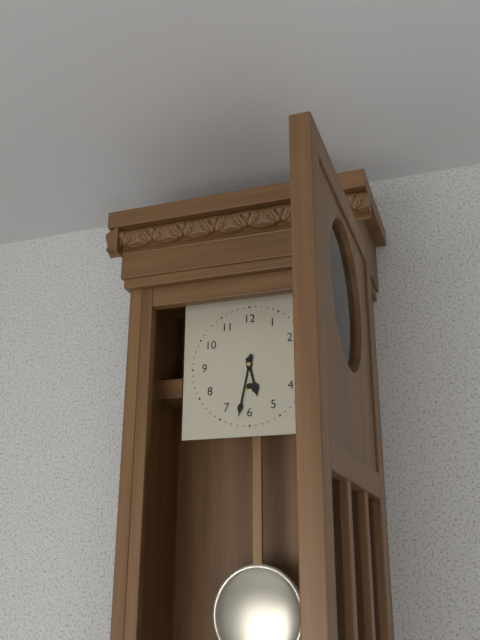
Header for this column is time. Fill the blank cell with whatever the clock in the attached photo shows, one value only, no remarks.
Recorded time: 5:32
